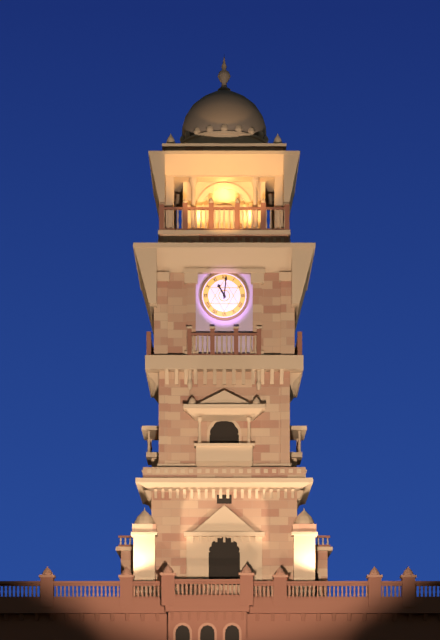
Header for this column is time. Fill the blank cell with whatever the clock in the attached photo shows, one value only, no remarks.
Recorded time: 11:01
